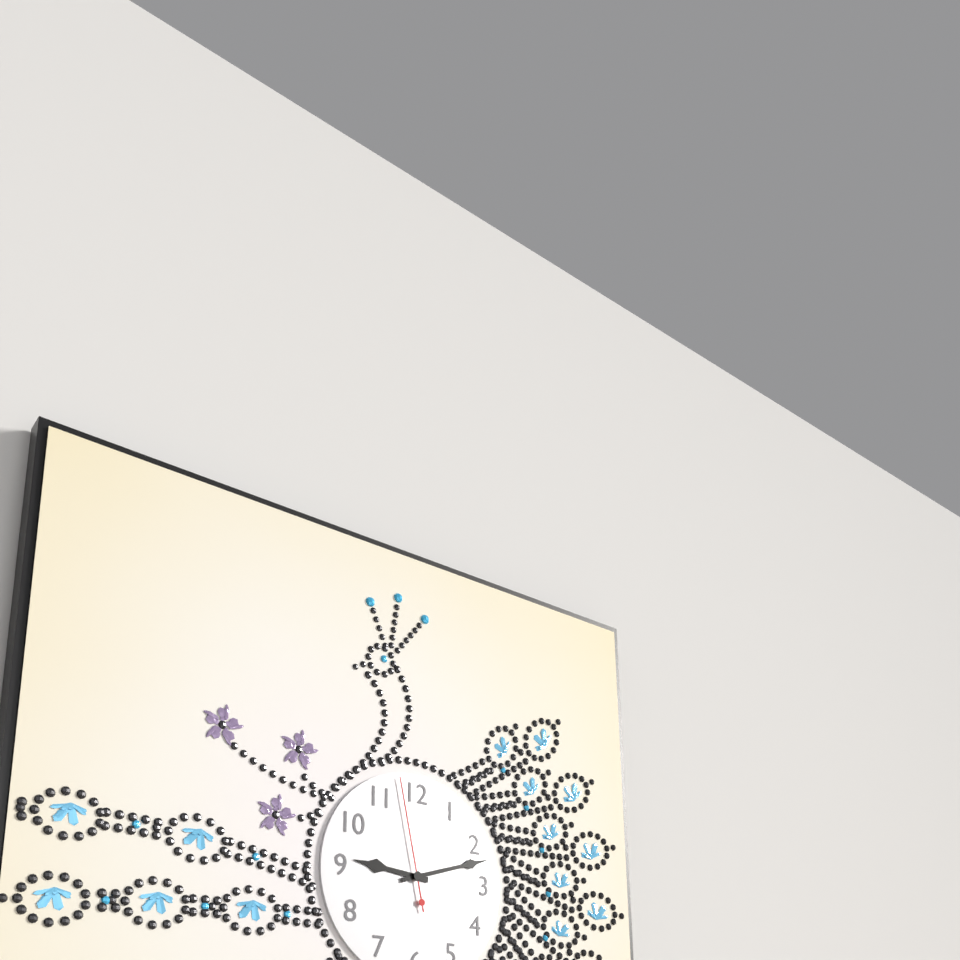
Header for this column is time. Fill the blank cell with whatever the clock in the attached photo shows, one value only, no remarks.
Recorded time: 9:12:58
